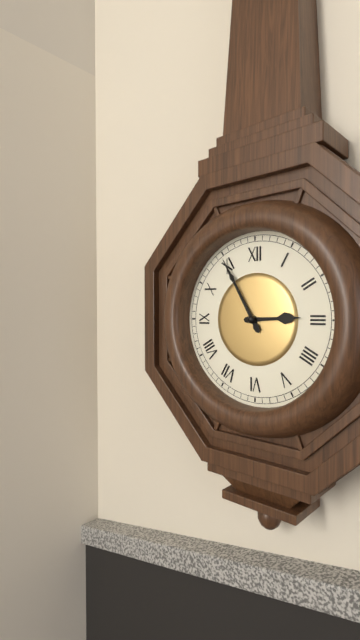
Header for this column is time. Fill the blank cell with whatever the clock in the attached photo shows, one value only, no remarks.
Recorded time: 2:55
